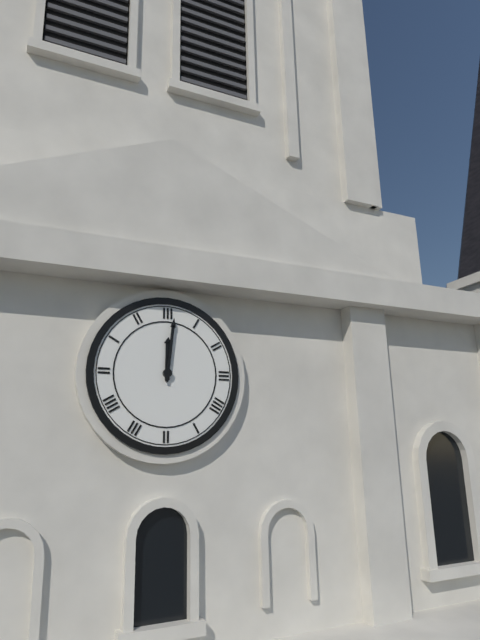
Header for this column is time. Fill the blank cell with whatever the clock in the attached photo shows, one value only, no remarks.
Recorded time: 12:01
